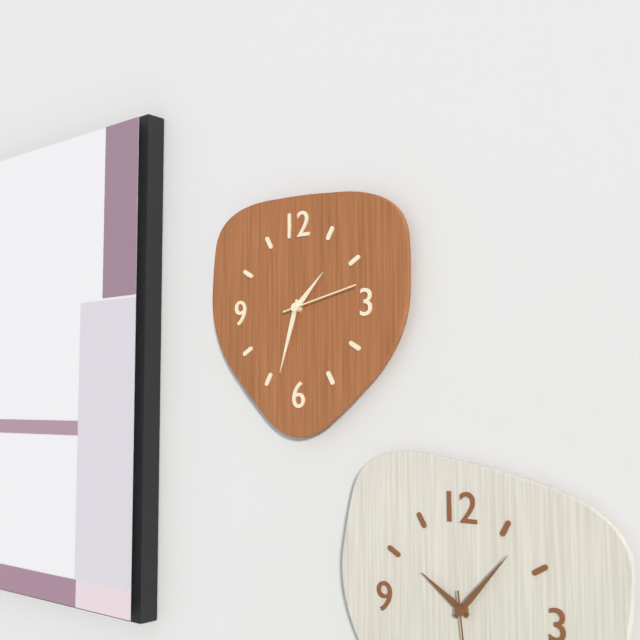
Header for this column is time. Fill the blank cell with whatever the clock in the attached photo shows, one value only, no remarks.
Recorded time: 1:33:13
